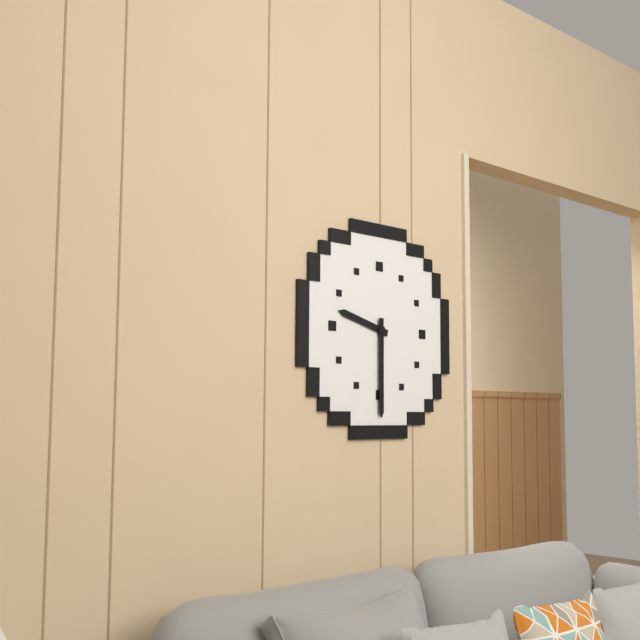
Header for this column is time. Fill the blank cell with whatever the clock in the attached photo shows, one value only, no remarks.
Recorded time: 9:30
